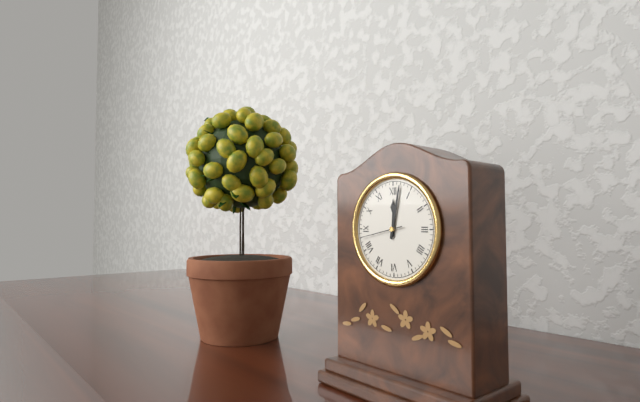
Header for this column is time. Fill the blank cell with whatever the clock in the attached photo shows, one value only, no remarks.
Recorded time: 12:02
